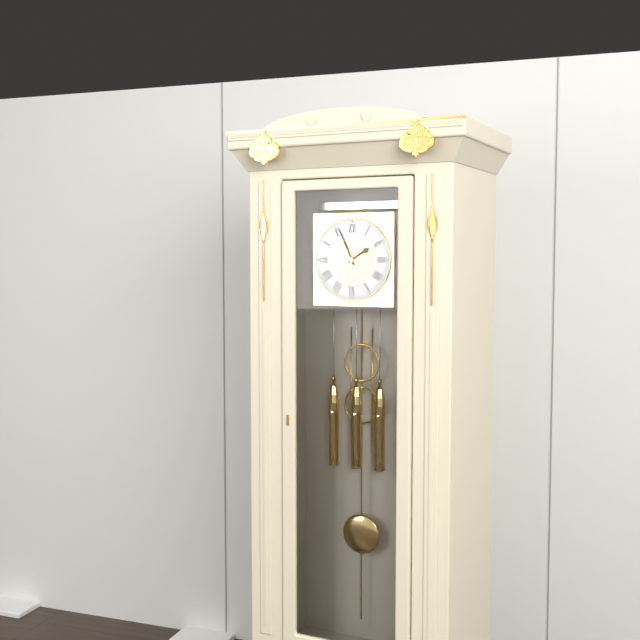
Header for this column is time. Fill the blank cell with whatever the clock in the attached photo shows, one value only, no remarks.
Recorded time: 1:56
